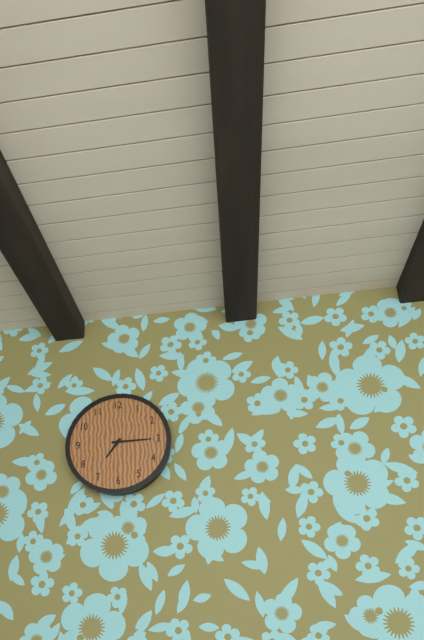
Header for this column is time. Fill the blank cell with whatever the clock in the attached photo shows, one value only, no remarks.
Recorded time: 7:15
